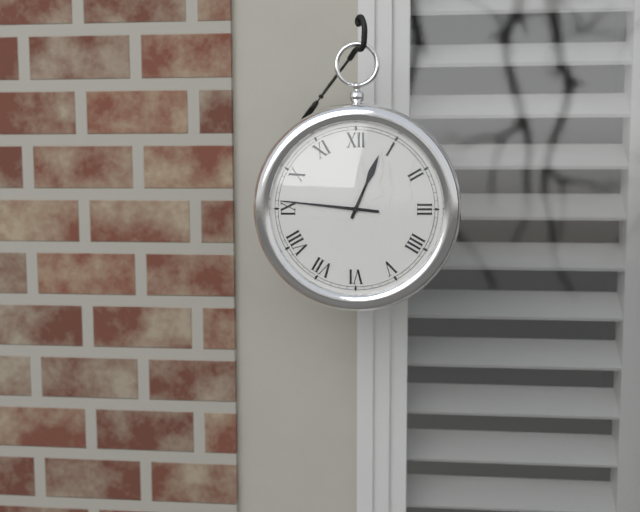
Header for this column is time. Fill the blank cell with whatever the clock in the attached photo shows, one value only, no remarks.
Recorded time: 12:46
